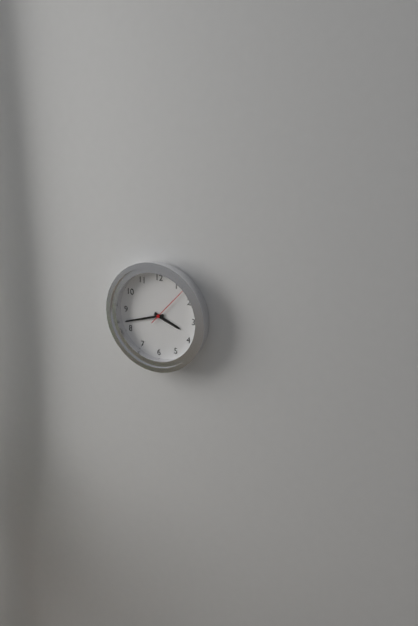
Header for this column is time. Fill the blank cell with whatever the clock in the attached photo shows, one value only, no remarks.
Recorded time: 3:42
